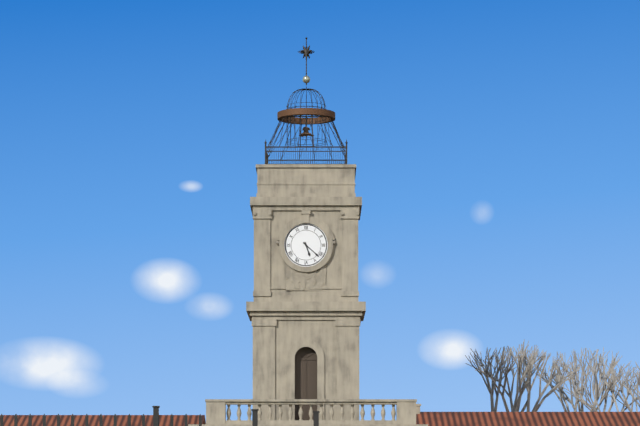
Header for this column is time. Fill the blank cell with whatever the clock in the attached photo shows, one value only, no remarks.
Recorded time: 5:22
